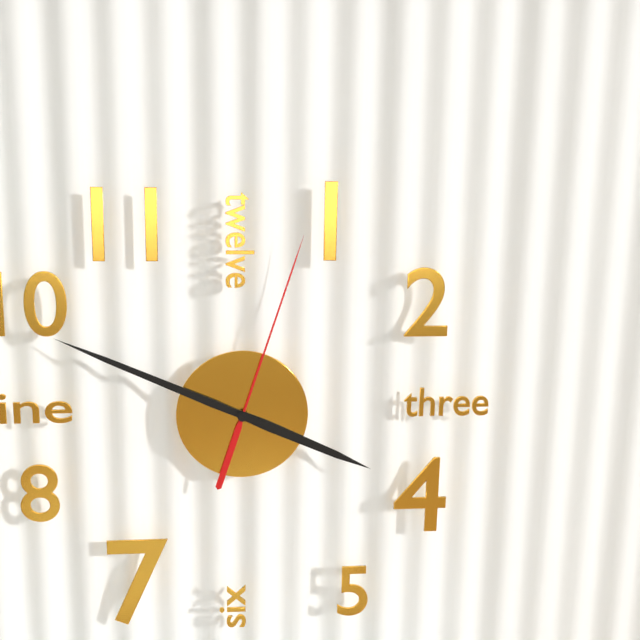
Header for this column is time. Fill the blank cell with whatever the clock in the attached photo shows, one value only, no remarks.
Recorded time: 3:49:03
